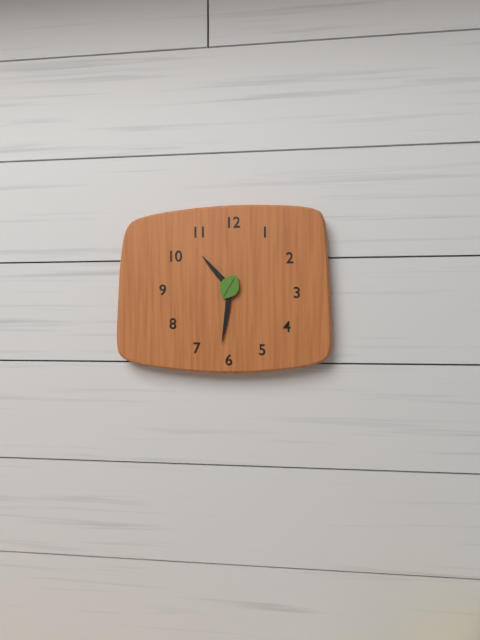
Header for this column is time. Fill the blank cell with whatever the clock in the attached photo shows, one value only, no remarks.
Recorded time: 10:31
